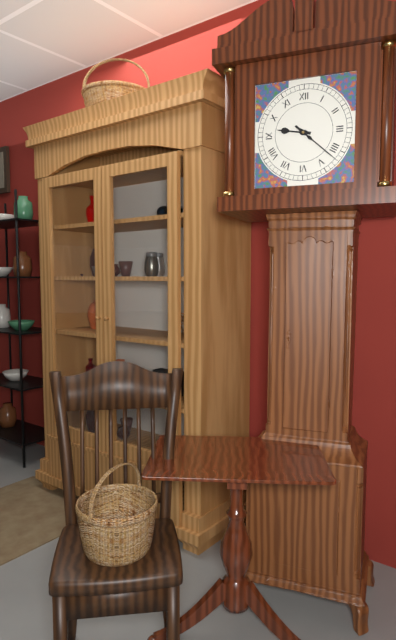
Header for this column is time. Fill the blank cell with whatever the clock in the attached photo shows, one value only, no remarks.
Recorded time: 9:22
